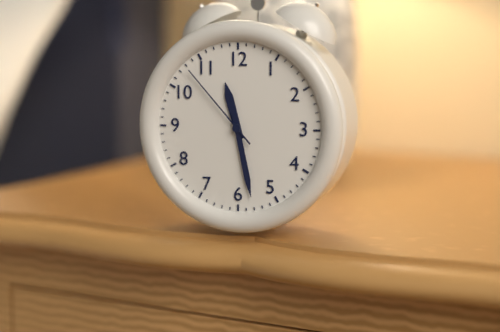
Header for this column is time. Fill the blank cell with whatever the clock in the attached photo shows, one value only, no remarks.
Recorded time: 11:28:53
